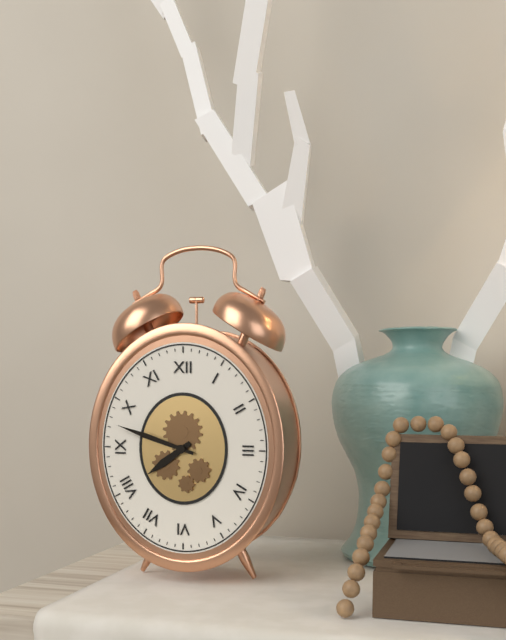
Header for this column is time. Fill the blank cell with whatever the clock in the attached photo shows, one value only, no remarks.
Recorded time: 7:48
